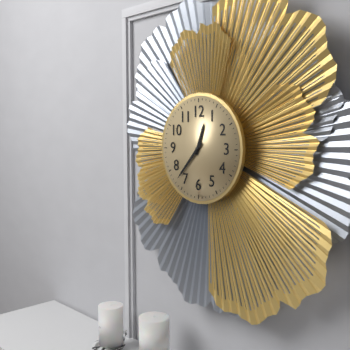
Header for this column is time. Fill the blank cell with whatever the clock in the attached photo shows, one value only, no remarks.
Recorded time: 12:37
